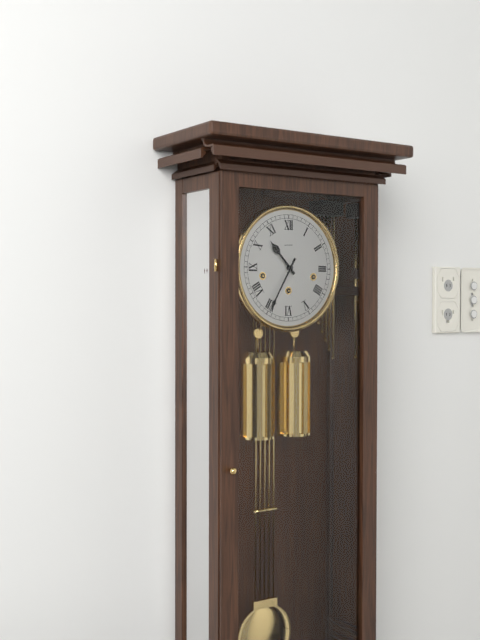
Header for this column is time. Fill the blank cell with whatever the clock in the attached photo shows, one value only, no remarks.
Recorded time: 10:35
